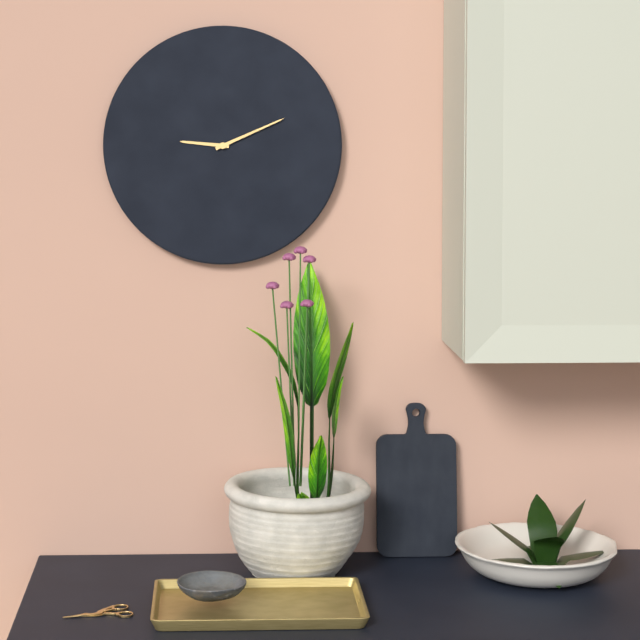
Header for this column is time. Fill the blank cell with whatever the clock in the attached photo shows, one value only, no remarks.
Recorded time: 9:11
